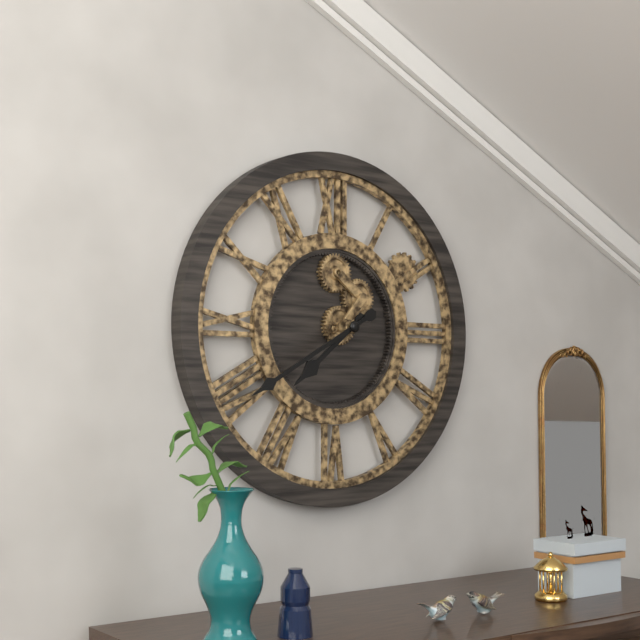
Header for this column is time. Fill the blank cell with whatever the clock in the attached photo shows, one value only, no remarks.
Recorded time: 7:40
